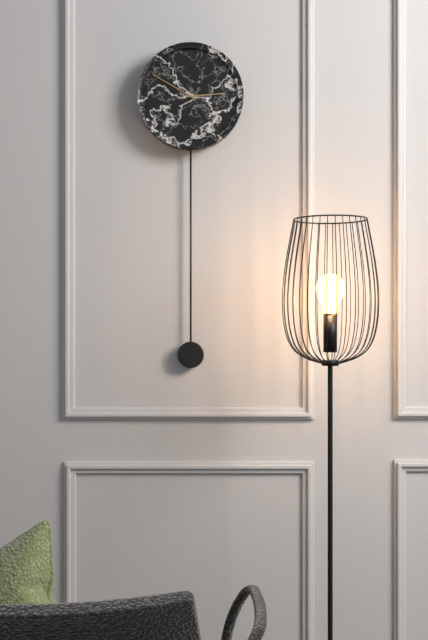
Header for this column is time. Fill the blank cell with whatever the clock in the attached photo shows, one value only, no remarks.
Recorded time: 2:50
